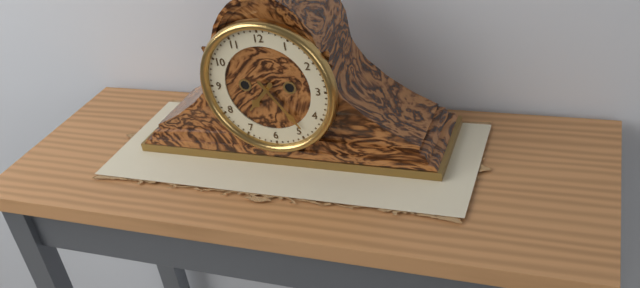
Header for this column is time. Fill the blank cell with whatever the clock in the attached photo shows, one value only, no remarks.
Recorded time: 7:24
